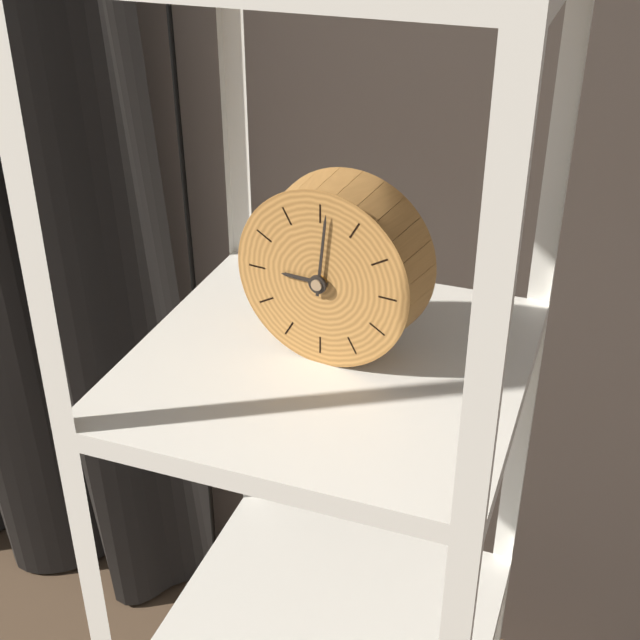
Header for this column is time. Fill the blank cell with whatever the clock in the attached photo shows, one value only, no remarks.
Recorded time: 9:01
